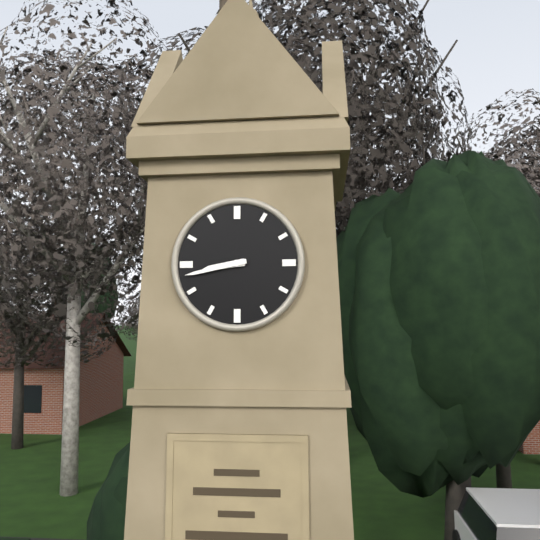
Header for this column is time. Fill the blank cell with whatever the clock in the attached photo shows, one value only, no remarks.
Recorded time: 8:43
